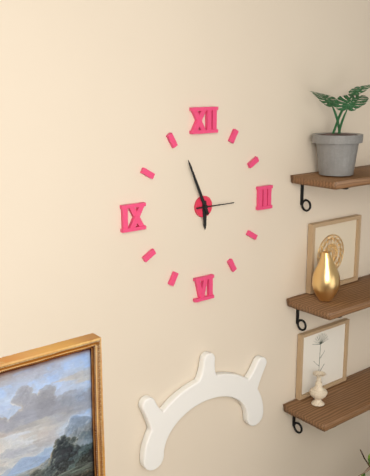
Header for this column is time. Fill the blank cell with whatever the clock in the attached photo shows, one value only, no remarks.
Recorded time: 5:56
